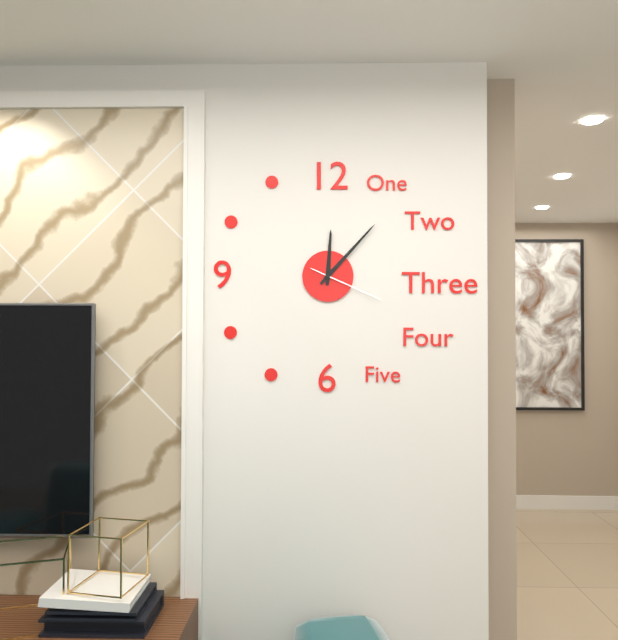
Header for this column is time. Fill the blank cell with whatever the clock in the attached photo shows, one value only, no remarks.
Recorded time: 12:07:19
